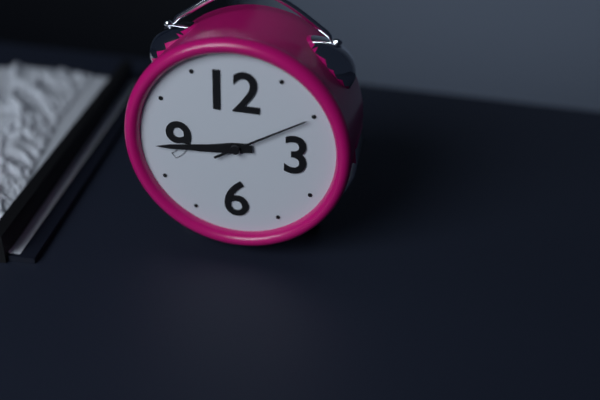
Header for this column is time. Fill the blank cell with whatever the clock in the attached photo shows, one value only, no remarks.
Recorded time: 8:44:10
